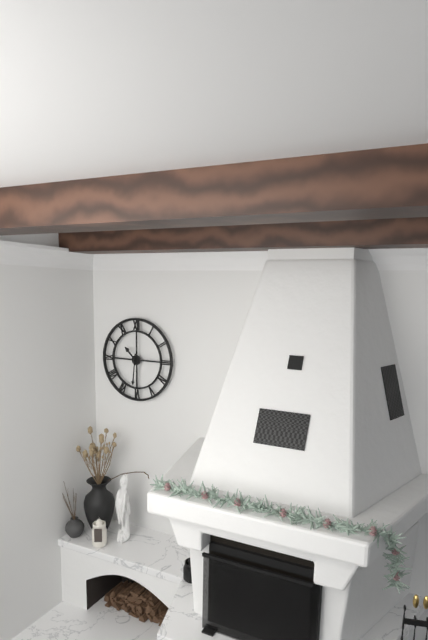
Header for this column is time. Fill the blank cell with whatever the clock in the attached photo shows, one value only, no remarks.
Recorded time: 10:31
